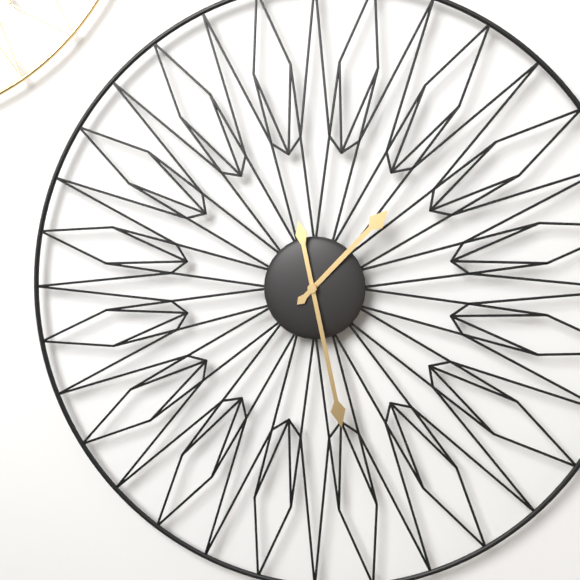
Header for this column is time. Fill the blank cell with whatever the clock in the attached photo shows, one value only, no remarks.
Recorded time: 1:28
